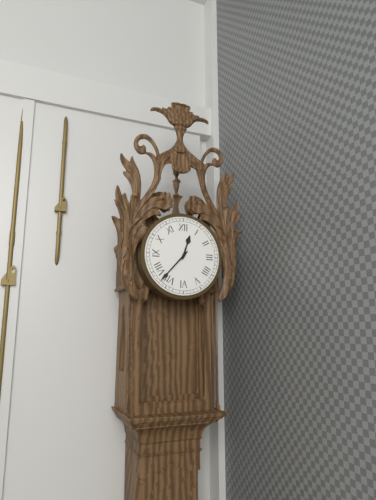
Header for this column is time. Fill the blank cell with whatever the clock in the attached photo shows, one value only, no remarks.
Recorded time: 12:37
